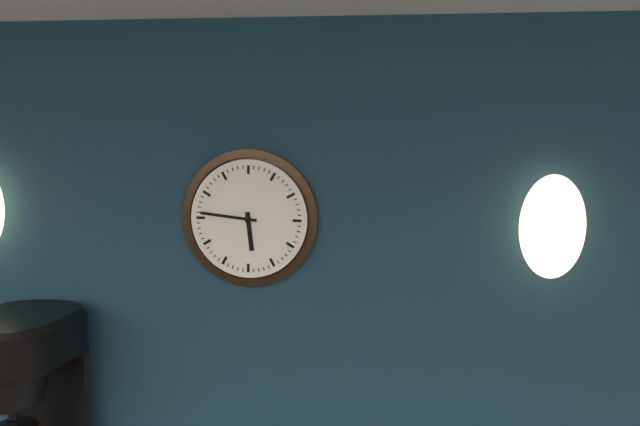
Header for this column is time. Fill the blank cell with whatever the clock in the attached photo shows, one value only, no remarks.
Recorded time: 5:46
